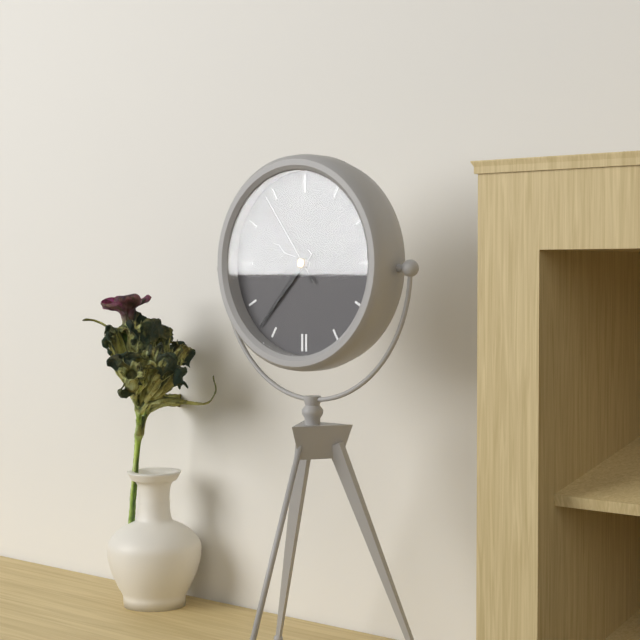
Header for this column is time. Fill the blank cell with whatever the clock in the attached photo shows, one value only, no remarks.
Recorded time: 9:37:54
